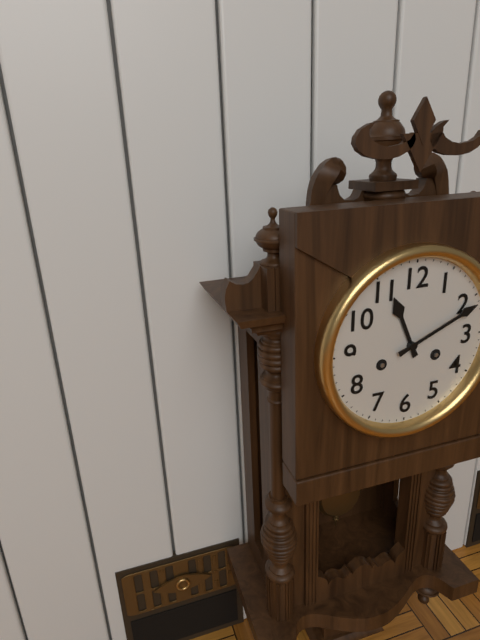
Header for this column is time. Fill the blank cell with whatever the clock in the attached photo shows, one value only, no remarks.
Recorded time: 11:11
